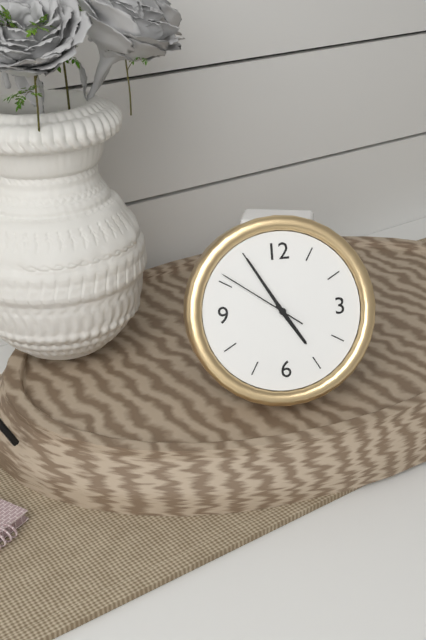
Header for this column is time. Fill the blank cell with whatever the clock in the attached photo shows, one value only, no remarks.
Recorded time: 4:55:51
